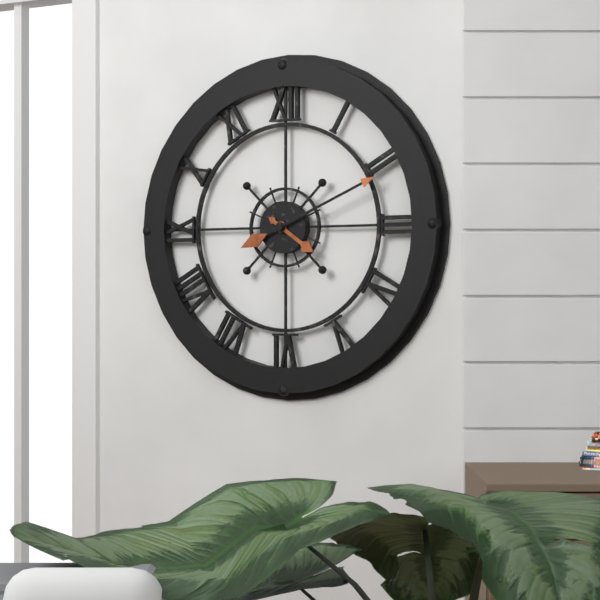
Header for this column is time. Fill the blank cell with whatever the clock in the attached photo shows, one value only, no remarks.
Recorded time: 4:11
